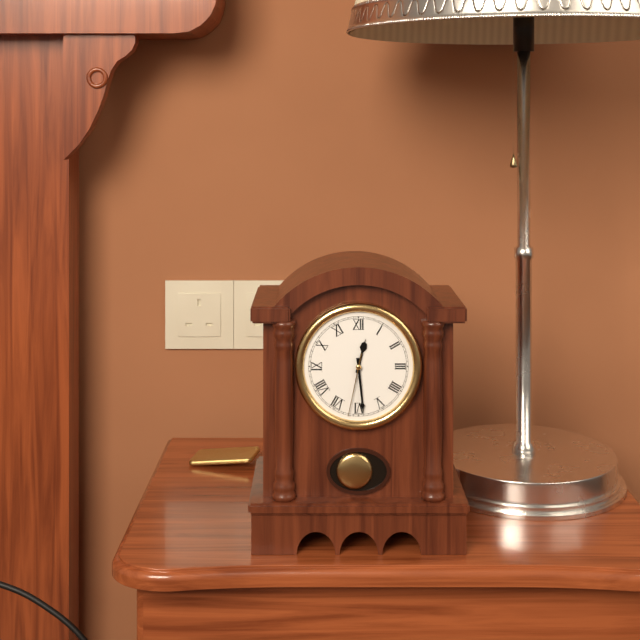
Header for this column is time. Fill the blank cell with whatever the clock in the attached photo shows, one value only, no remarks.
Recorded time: 12:29:32
